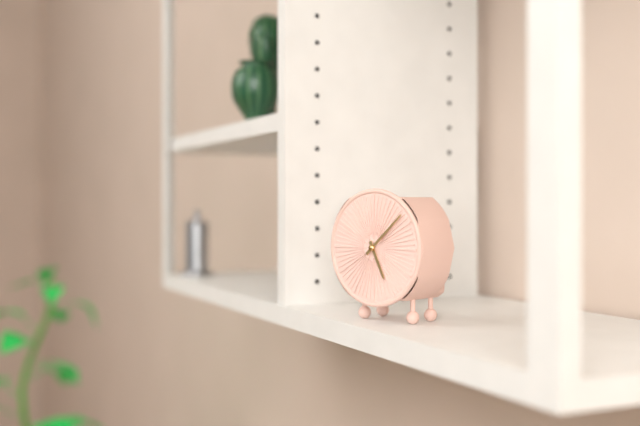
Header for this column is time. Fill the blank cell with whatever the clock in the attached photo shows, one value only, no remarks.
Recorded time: 5:08
